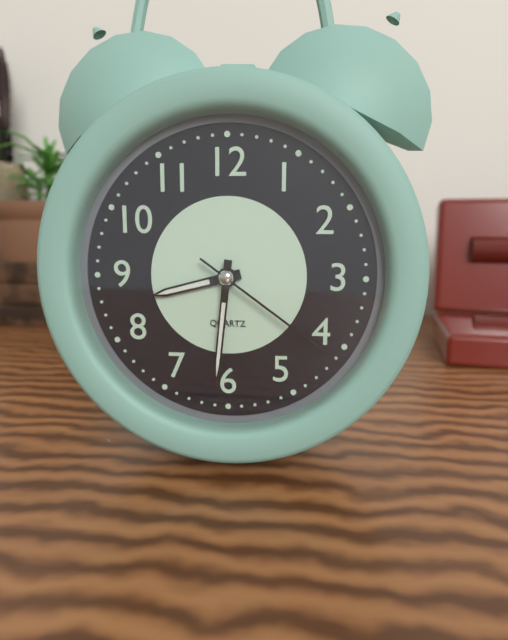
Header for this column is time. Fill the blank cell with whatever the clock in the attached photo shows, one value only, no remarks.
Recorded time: 8:31:21
